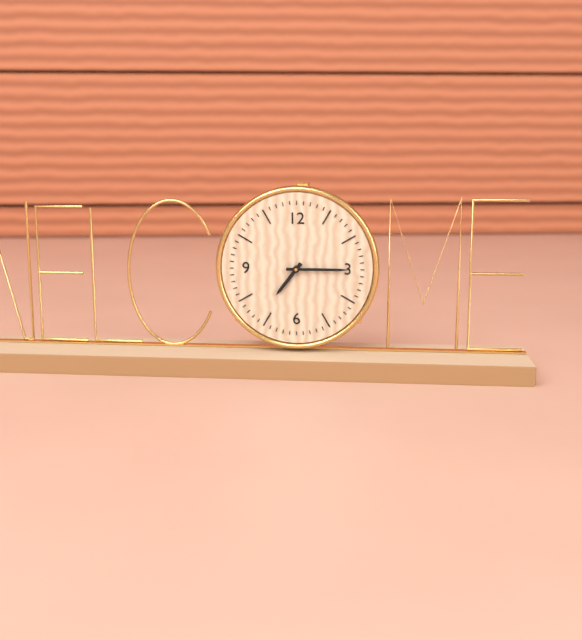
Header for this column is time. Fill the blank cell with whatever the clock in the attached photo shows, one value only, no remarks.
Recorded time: 7:15
